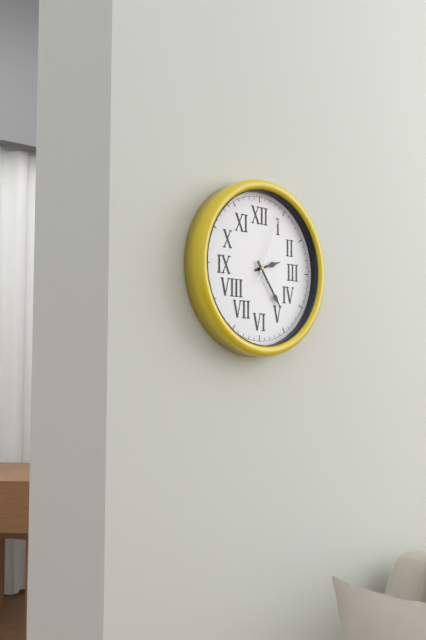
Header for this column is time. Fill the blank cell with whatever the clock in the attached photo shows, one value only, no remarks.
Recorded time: 2:24:04
